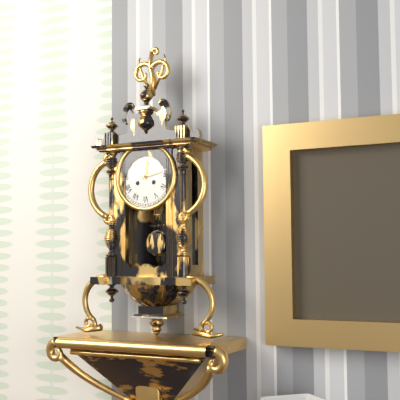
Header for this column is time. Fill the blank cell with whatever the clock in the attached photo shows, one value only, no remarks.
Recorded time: 12:13
